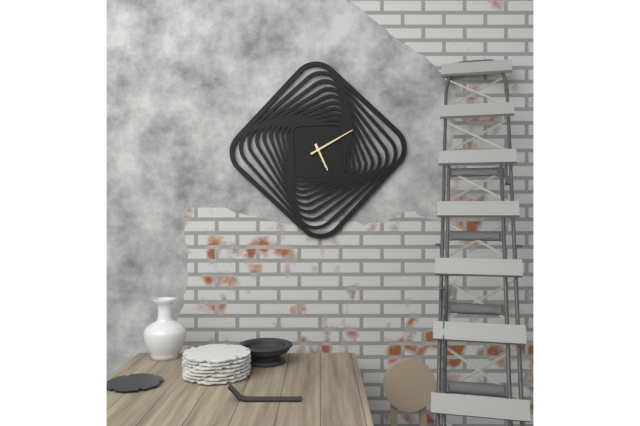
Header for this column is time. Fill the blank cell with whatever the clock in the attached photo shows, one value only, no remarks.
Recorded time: 5:10
